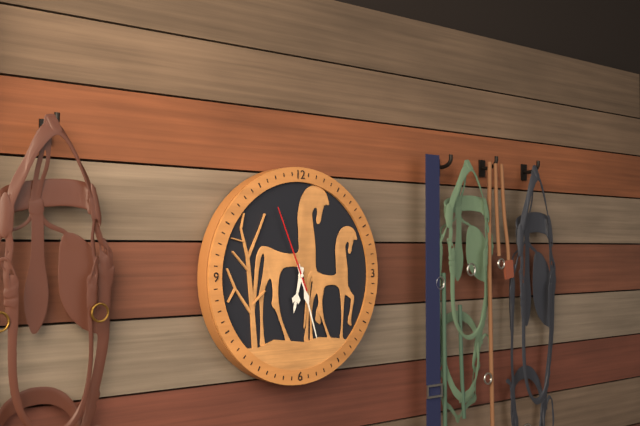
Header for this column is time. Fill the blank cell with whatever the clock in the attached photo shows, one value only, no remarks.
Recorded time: 6:27:56
